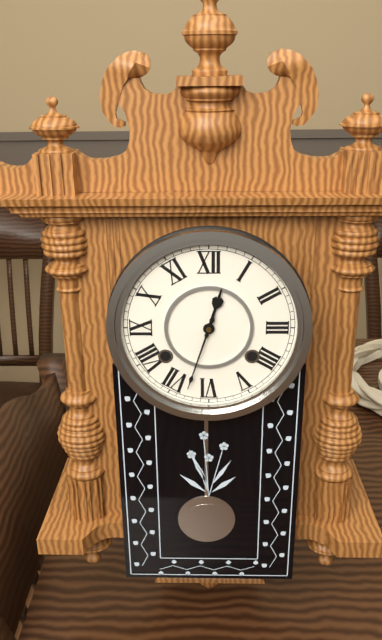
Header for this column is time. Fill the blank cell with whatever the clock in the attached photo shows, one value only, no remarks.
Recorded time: 12:33
